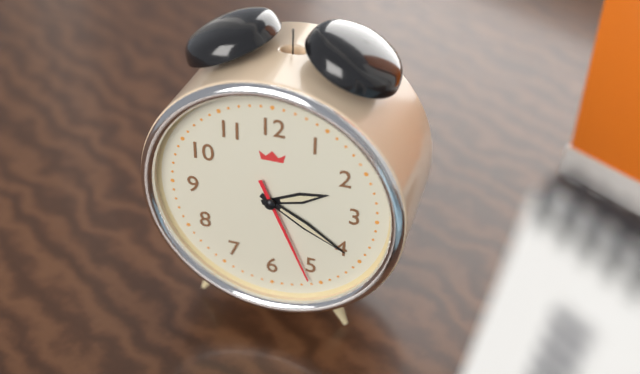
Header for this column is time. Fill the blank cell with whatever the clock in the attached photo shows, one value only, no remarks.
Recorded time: 2:20:26
